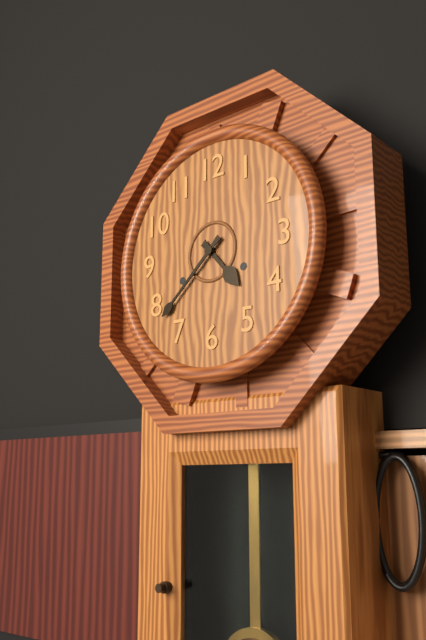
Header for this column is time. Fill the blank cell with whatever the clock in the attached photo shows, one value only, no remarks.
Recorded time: 4:38
